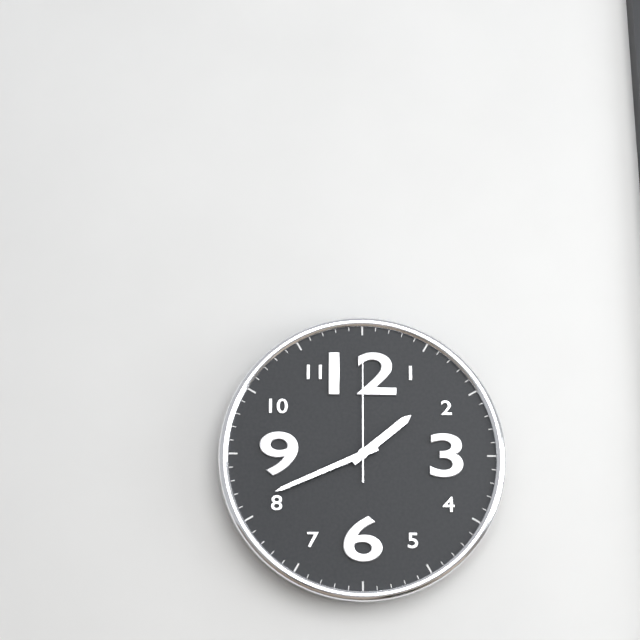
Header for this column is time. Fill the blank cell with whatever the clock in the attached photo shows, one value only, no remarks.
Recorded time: 1:41:00
